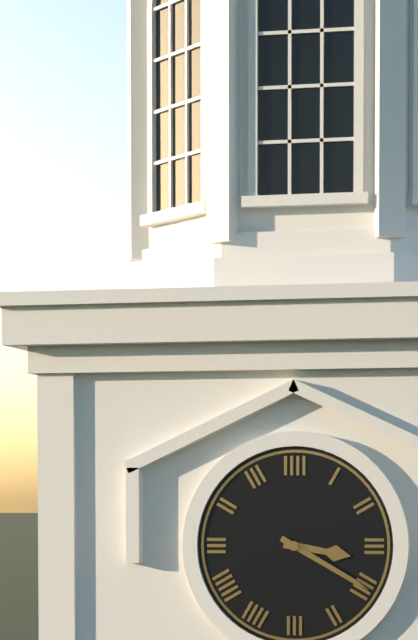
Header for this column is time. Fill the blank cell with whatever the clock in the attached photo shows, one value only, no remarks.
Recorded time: 3:20
